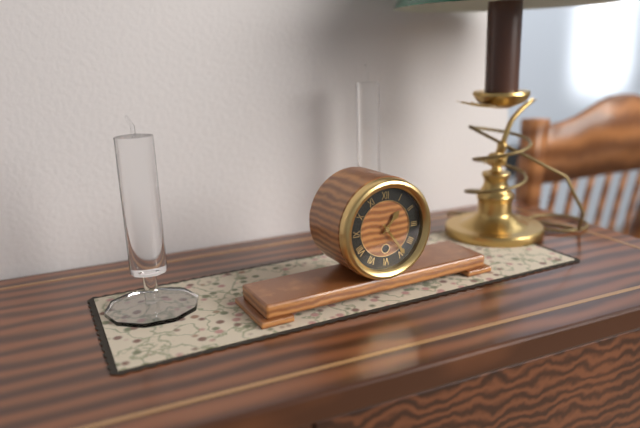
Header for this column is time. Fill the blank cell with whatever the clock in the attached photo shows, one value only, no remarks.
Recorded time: 1:24
